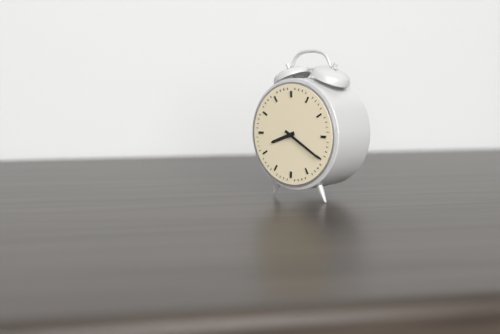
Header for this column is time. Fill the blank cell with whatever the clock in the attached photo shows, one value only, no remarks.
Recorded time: 8:20
